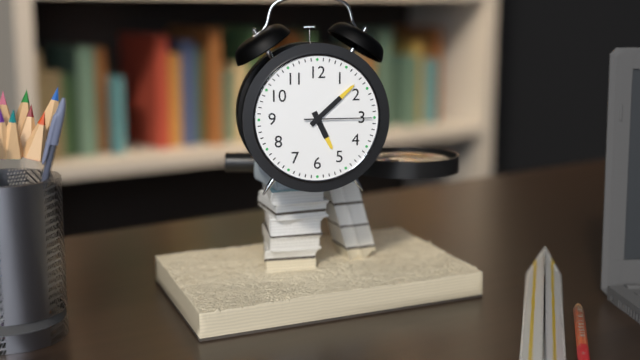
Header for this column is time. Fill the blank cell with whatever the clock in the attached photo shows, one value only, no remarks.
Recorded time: 5:08:15
